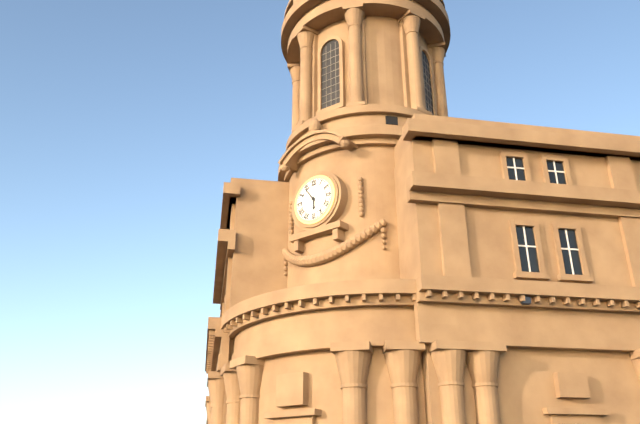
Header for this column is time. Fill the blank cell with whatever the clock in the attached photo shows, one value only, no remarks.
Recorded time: 5:54
